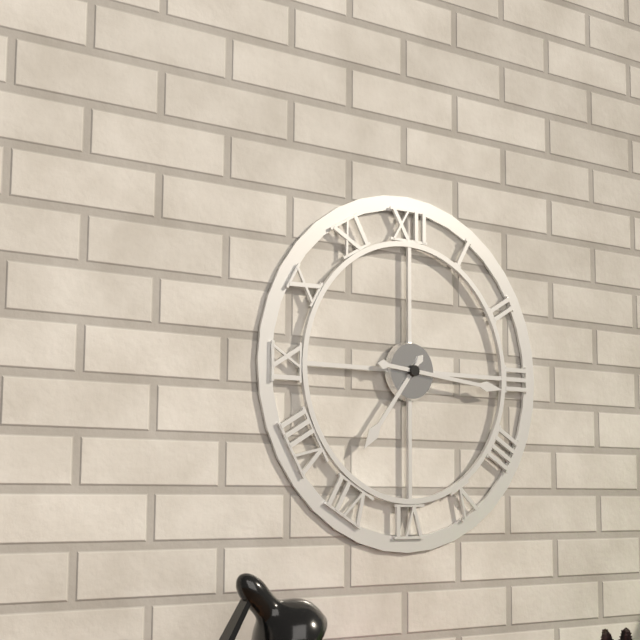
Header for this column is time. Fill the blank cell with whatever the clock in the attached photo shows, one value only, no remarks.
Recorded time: 7:16
